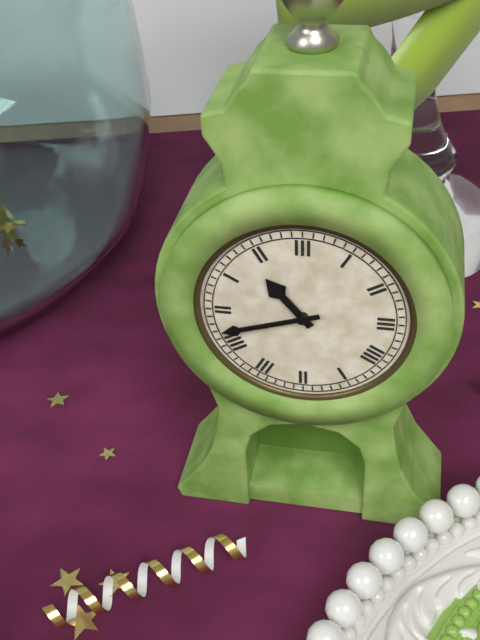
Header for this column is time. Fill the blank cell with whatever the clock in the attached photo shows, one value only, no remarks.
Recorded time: 10:42
